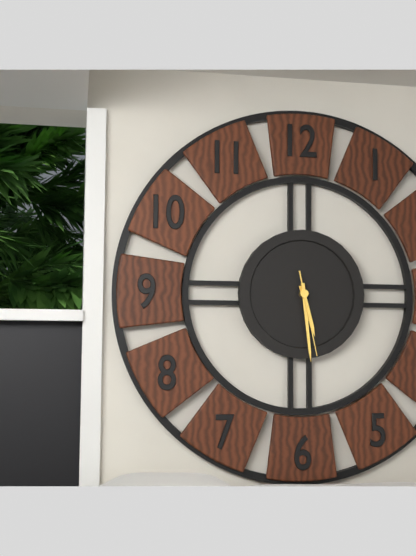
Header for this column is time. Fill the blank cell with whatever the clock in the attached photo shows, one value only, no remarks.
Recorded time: 5:29:28
